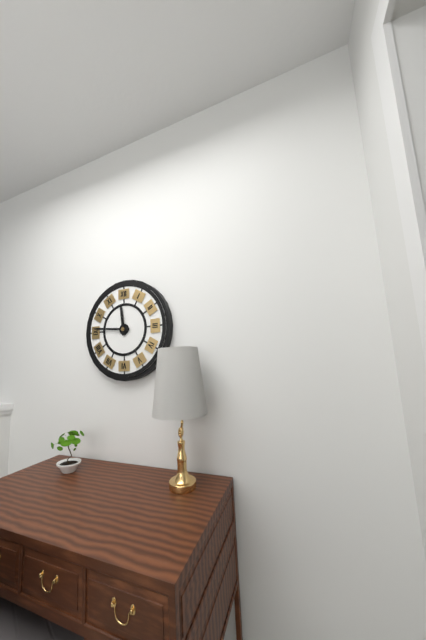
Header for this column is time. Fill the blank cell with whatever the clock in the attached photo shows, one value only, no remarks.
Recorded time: 11:46
